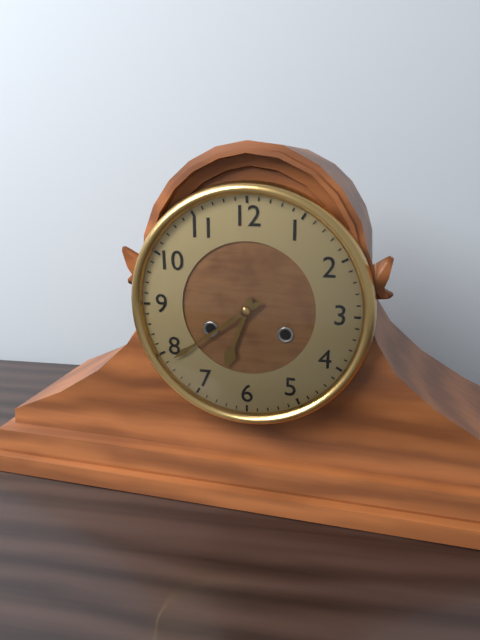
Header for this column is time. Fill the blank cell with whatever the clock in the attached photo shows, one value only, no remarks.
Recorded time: 6:39
